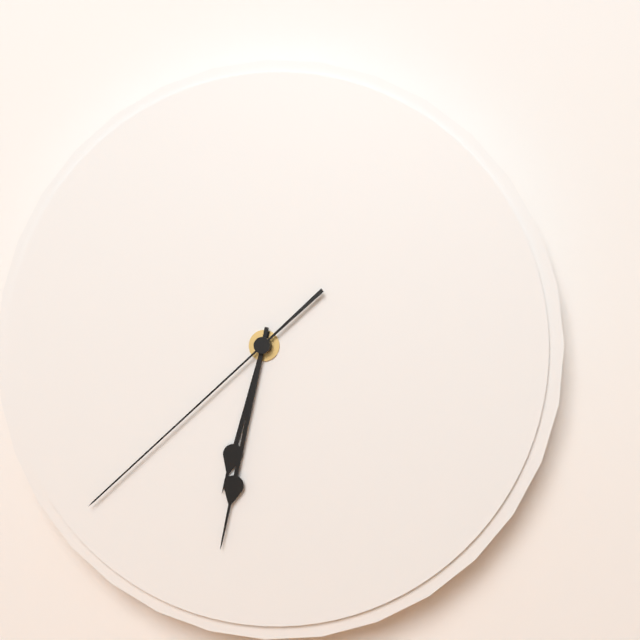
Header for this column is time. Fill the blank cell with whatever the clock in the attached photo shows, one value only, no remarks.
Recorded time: 6:32:38
